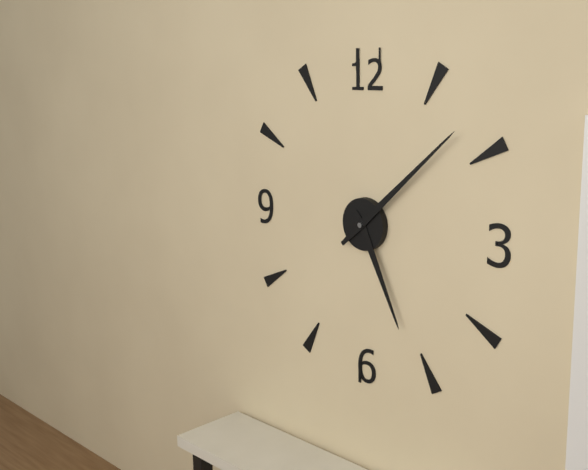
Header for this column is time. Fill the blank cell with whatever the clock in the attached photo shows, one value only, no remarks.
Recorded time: 5:08
